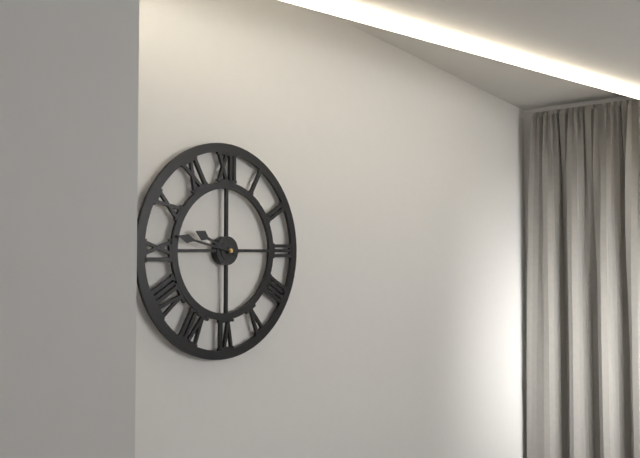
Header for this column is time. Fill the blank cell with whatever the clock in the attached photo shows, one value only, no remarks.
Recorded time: 9:47
